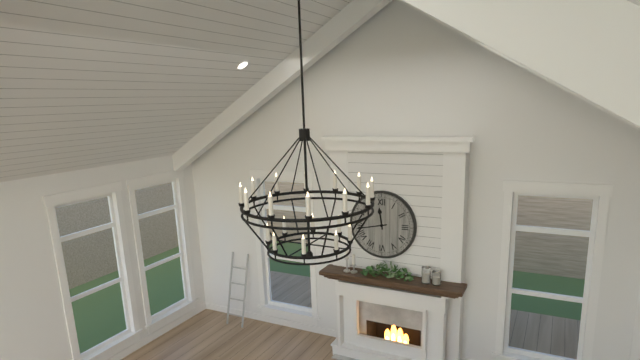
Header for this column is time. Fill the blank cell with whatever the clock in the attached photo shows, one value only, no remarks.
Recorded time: 11:43
